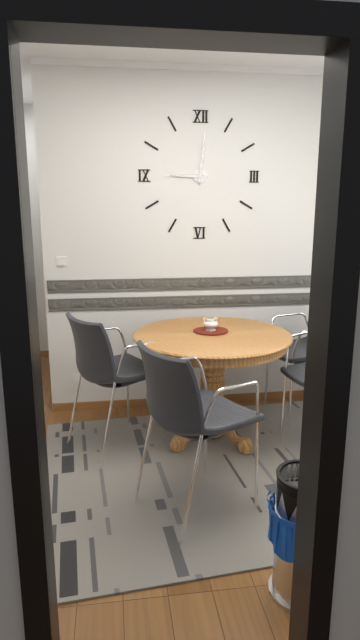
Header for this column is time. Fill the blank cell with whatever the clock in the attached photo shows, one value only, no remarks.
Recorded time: 9:01
